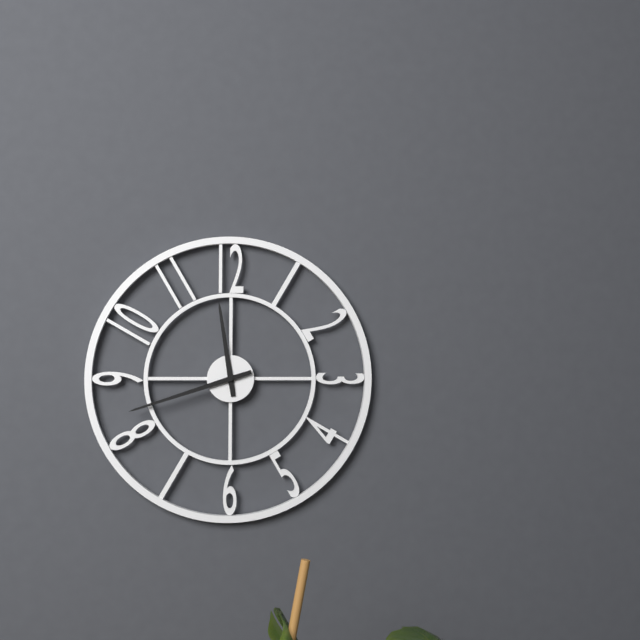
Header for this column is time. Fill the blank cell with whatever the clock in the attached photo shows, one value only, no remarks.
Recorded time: 11:42
